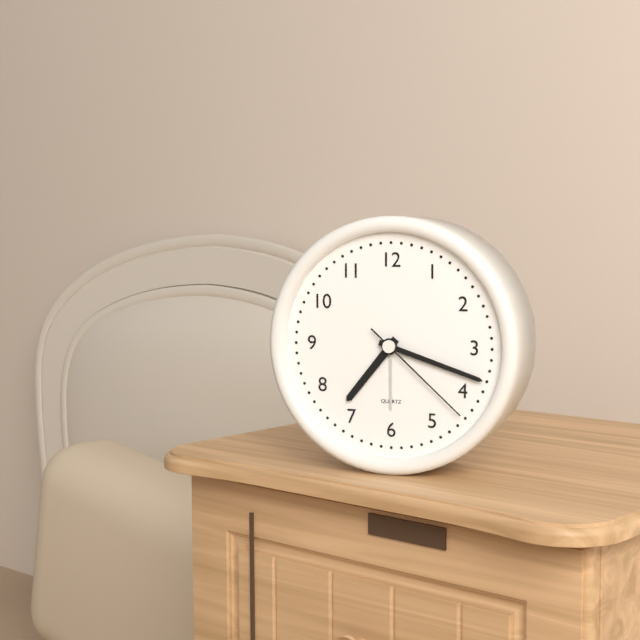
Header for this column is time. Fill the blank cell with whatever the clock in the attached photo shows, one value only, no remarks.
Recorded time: 7:18:22
